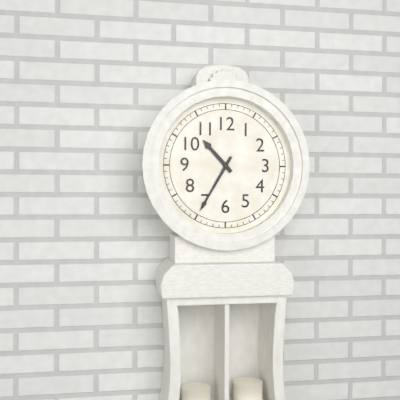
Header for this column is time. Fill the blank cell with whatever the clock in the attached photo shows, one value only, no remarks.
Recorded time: 10:35
